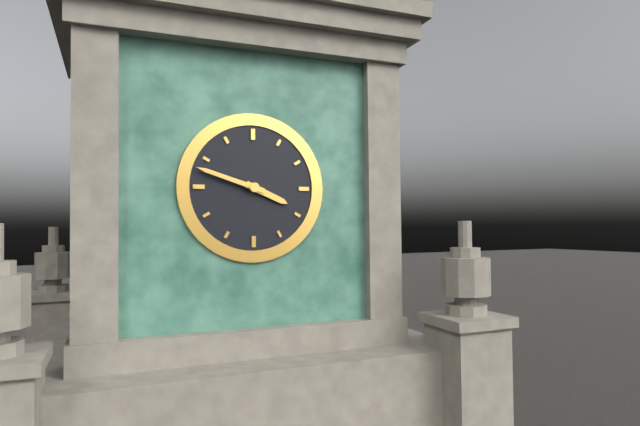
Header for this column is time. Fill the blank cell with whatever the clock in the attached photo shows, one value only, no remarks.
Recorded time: 3:48
